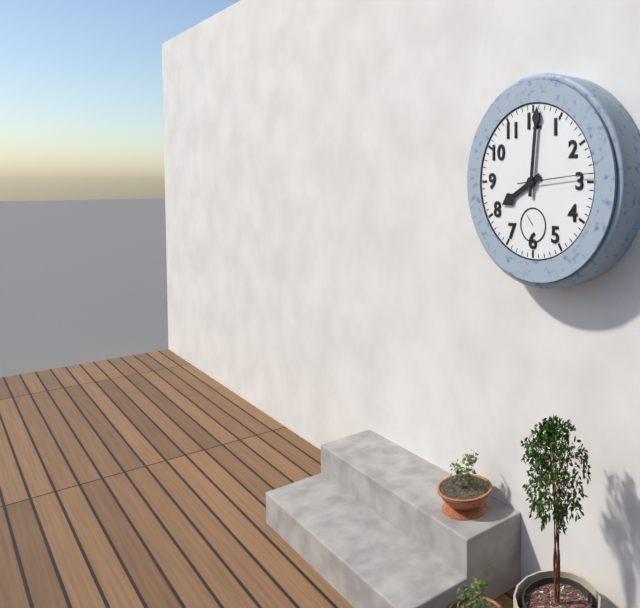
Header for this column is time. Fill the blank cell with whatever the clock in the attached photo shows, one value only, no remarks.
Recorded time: 8:01:14
